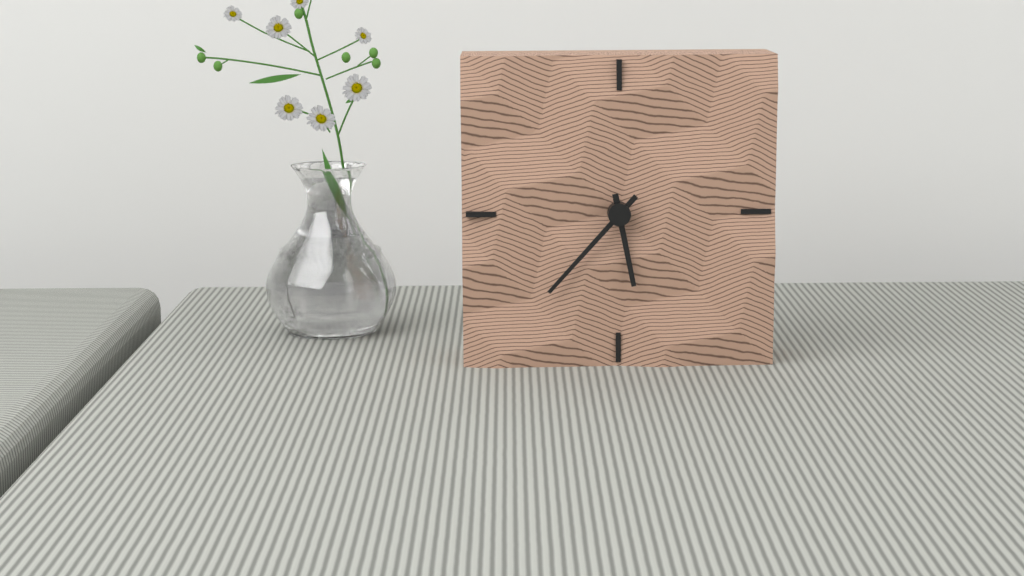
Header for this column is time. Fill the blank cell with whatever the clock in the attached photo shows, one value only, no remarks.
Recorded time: 5:37
